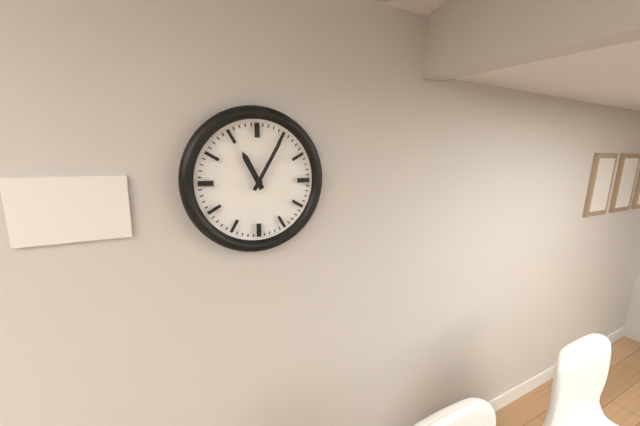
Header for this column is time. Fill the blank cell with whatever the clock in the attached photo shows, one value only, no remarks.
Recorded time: 11:05
